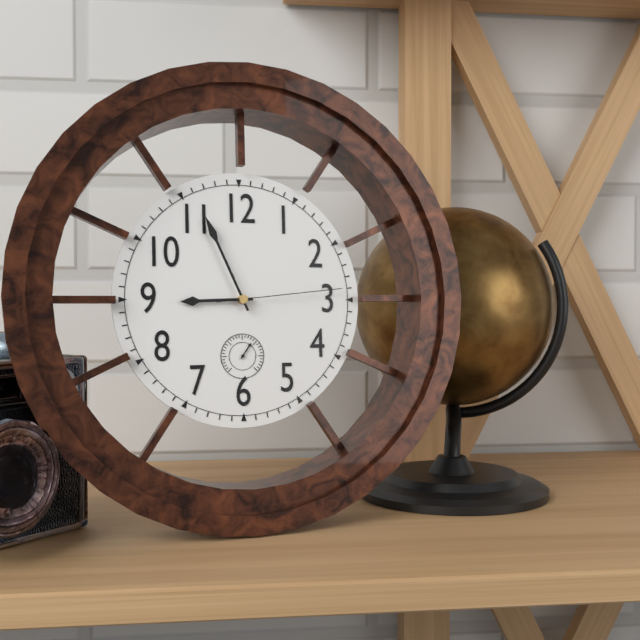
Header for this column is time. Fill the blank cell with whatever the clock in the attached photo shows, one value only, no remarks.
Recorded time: 8:56:14
